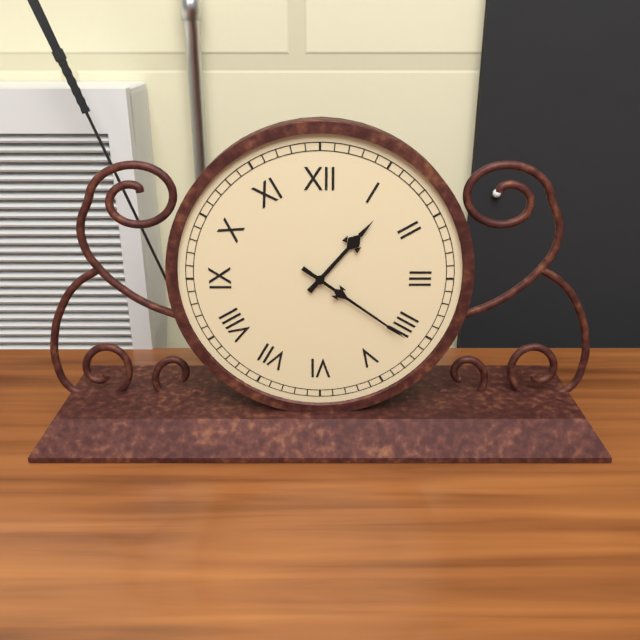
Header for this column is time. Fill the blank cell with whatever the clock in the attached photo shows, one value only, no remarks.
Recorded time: 1:21
